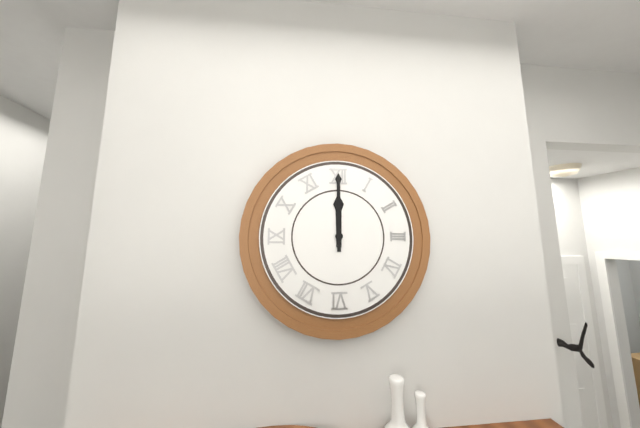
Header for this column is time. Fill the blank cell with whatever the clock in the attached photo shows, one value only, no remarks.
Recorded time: 12:00
